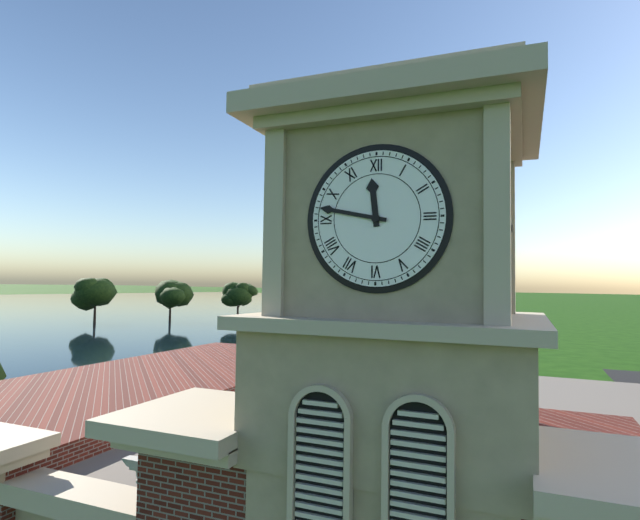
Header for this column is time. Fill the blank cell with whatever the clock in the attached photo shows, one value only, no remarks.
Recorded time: 11:47
